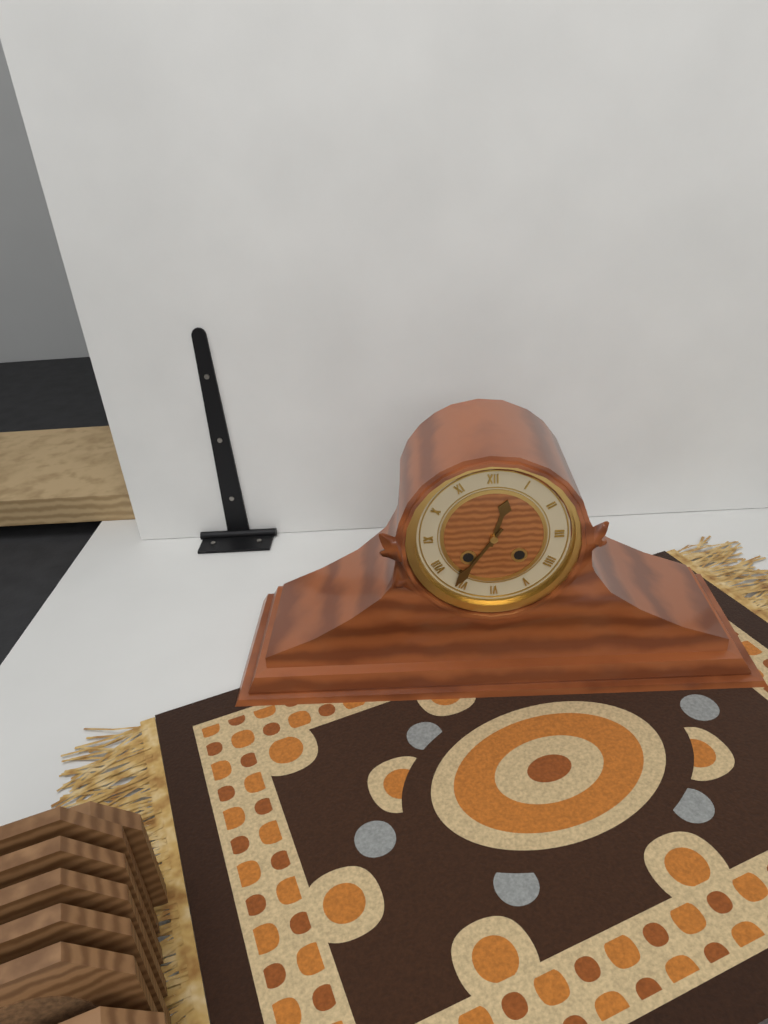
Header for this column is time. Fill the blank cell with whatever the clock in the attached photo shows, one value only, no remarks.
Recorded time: 12:36
